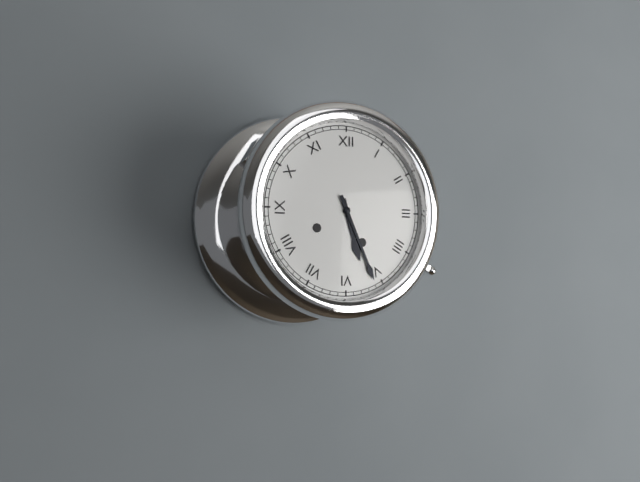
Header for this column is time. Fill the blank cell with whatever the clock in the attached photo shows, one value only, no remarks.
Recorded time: 5:26
